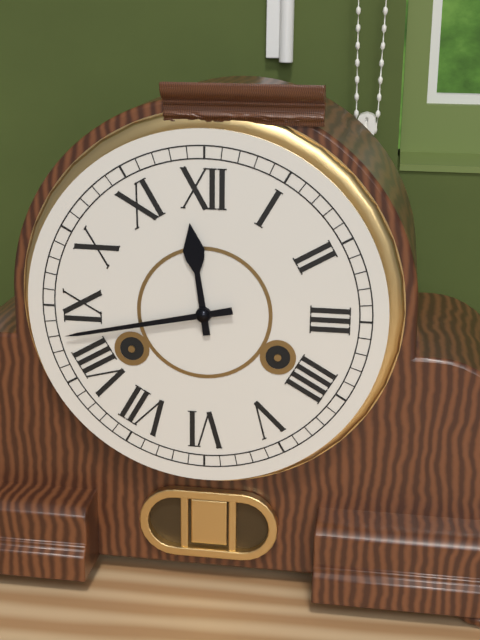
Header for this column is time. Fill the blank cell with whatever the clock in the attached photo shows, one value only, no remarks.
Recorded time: 11:43
